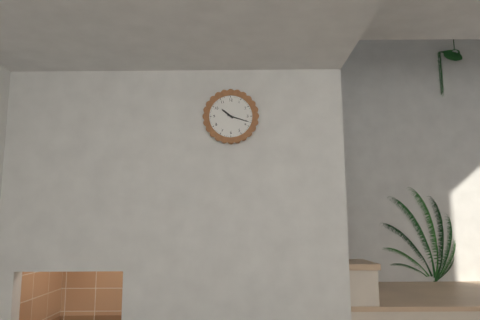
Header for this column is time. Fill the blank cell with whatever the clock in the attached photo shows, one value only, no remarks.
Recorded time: 10:18
